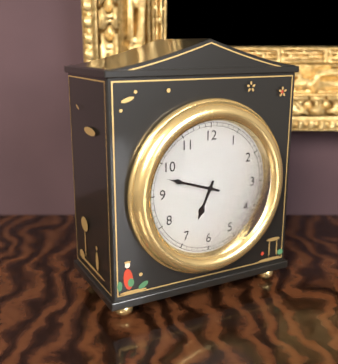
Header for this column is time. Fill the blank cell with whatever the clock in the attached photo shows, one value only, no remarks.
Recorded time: 6:48
